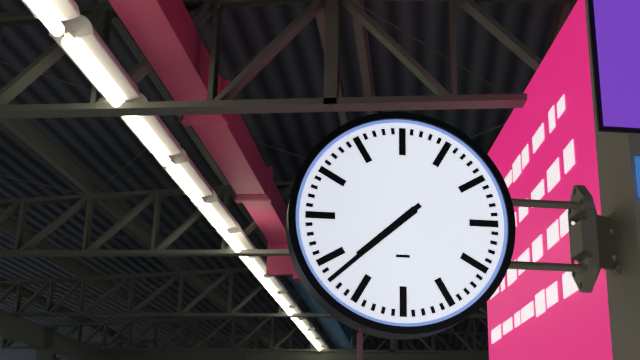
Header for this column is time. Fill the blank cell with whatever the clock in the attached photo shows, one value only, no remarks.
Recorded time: 7:38
